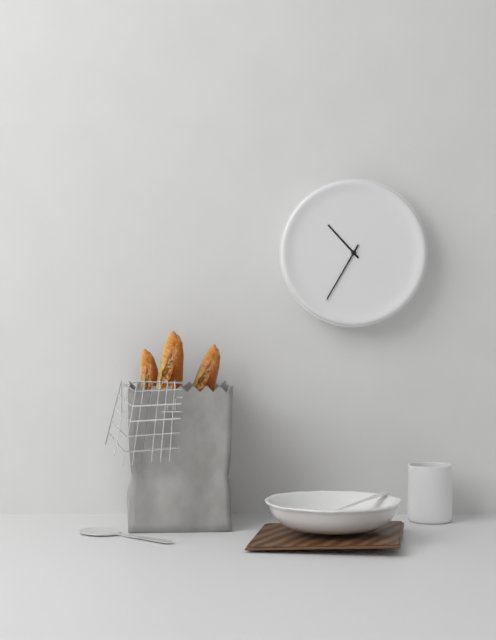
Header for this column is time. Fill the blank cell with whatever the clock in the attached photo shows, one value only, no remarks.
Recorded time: 10:35
